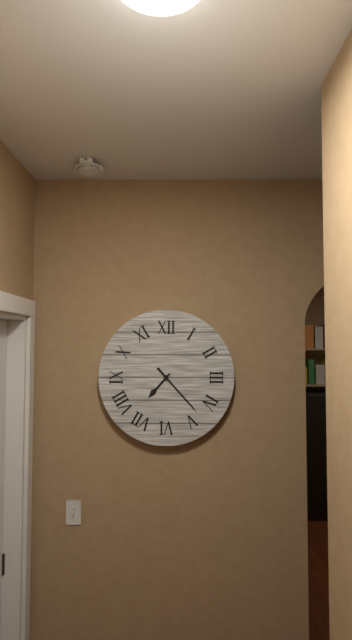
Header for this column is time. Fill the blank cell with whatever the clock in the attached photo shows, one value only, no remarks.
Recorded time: 7:23
